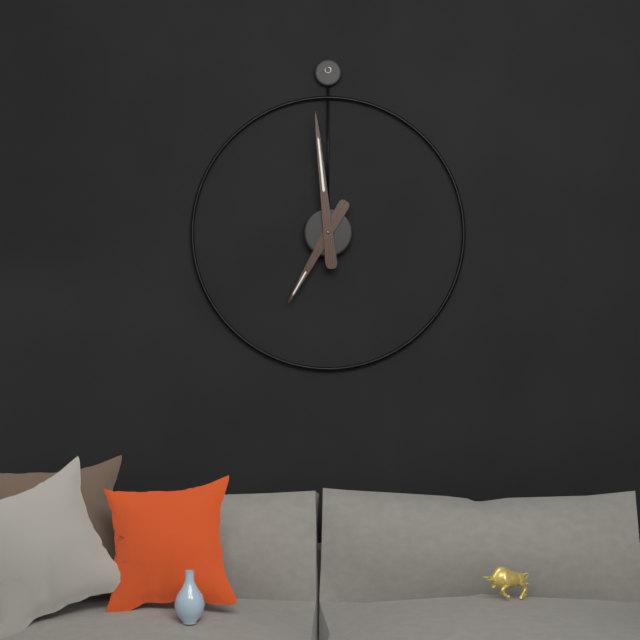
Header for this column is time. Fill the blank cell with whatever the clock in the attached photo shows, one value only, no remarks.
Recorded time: 6:59
